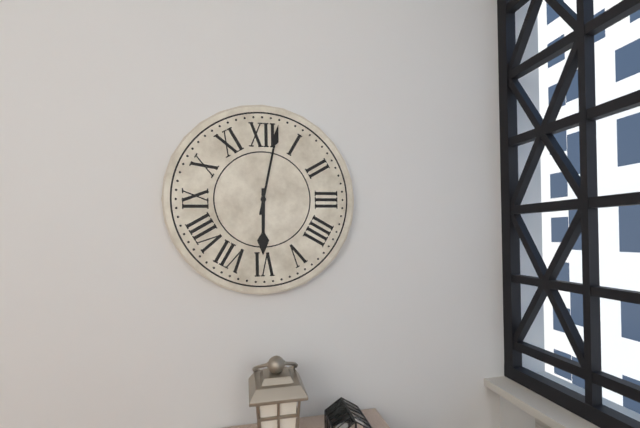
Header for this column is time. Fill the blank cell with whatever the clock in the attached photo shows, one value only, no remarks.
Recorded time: 6:02
